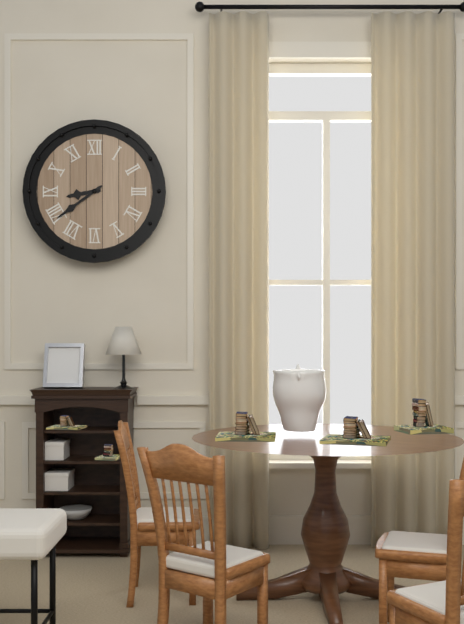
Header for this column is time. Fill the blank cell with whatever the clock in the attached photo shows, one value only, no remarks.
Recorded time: 8:39
